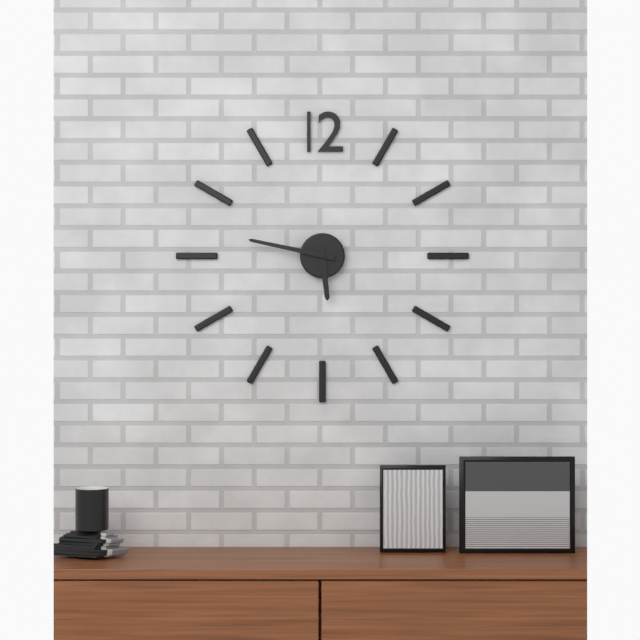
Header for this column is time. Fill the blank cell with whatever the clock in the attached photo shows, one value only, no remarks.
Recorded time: 5:47
